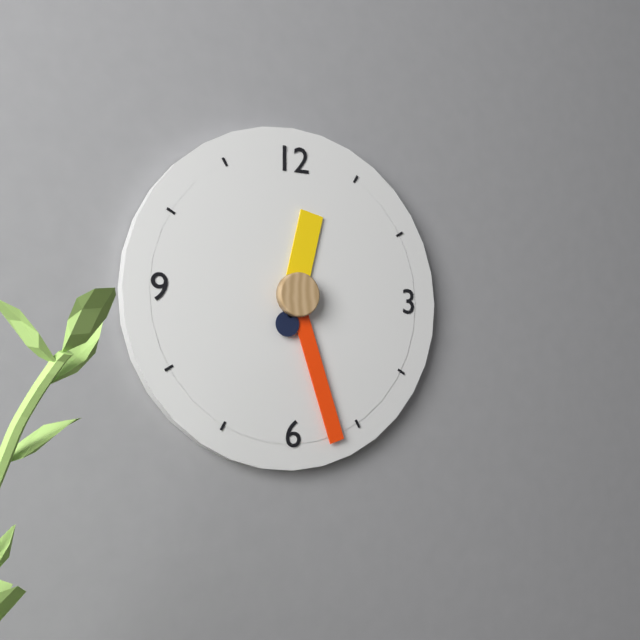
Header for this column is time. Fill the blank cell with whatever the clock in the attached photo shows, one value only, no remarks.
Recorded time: 12:27:33
